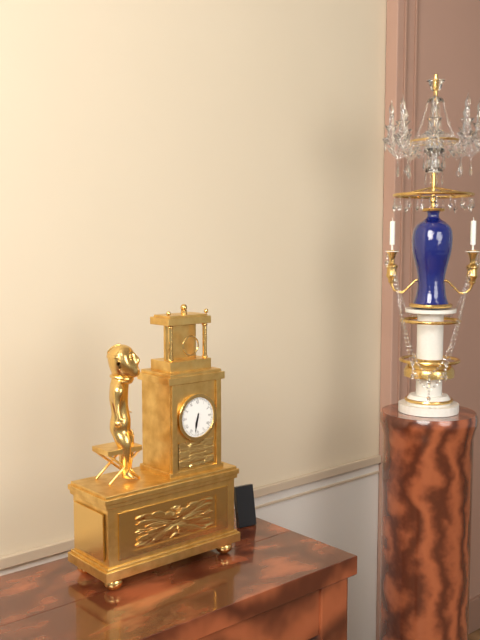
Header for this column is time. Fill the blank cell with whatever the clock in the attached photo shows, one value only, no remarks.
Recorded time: 6:32
